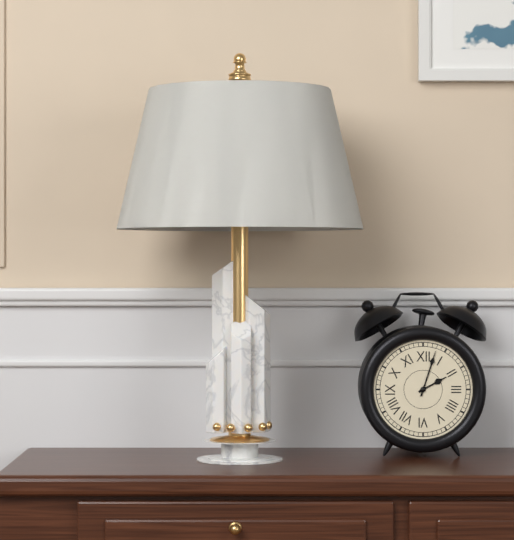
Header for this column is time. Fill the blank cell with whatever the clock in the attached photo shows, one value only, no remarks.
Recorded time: 2:03
